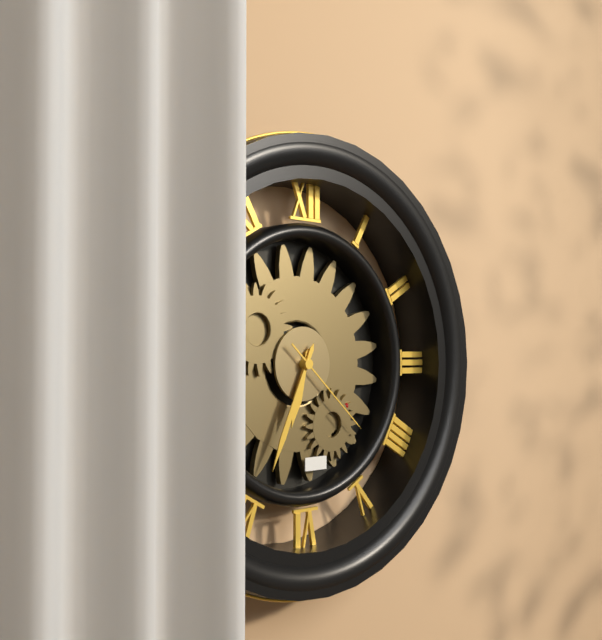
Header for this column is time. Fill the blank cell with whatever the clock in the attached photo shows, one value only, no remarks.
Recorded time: 6:34:22
